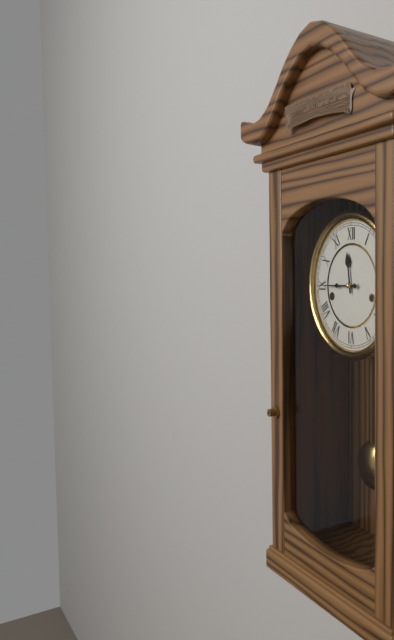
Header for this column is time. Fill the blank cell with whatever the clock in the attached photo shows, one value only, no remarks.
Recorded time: 11:45
